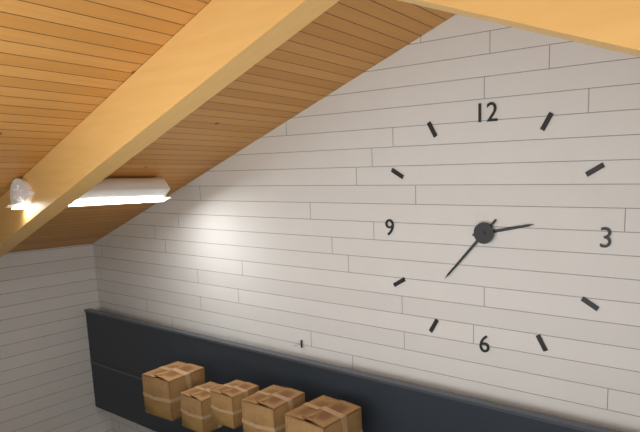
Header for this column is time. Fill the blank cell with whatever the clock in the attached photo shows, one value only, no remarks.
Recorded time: 2:37
